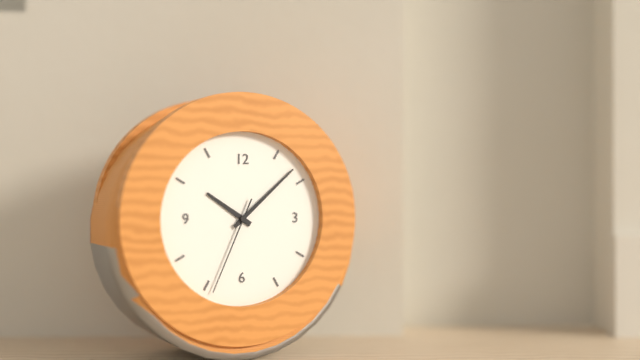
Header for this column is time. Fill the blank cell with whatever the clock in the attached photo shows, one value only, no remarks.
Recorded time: 10:08:34
